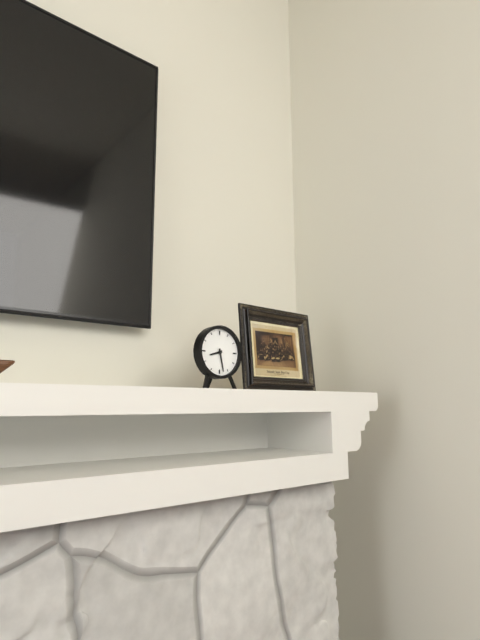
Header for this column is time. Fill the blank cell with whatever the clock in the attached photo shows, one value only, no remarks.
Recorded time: 8:28
